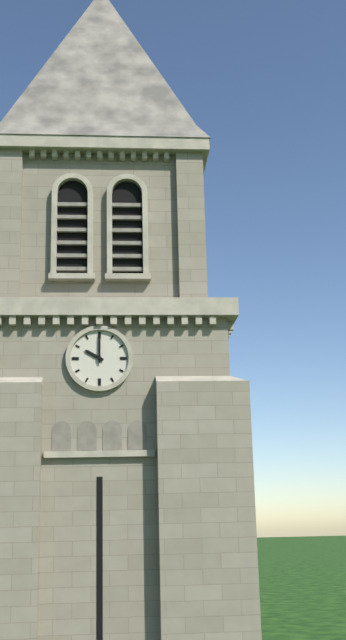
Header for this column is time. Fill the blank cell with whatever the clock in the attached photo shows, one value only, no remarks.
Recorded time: 10:00
